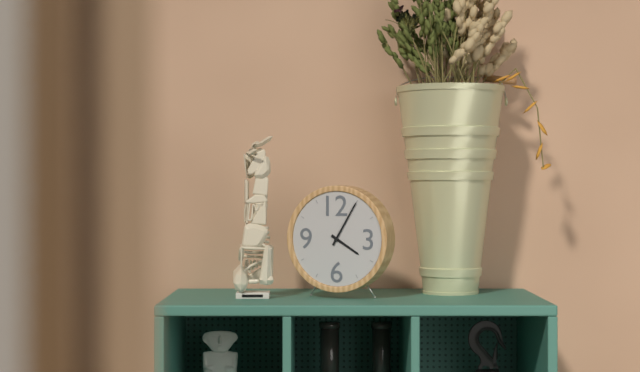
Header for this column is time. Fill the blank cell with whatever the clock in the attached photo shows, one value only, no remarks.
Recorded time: 4:05
